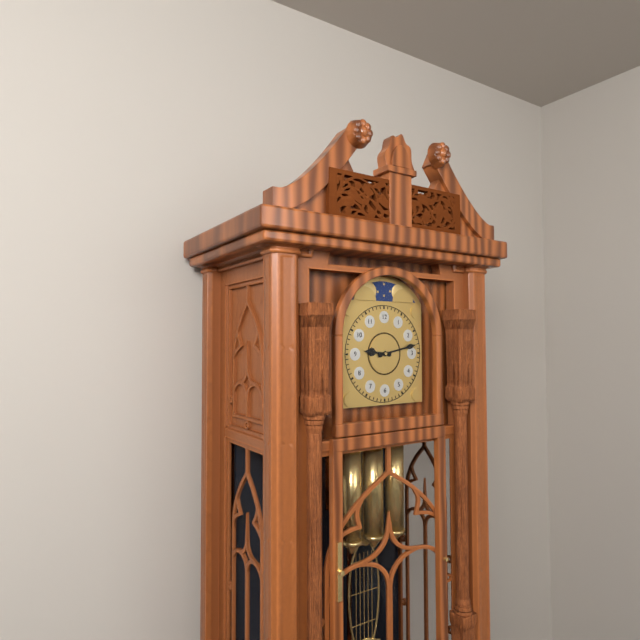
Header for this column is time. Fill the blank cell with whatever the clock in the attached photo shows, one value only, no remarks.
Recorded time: 9:13
